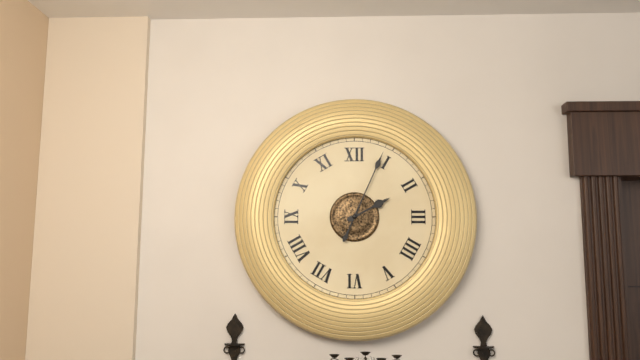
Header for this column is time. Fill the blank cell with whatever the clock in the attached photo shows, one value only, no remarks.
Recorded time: 2:04
